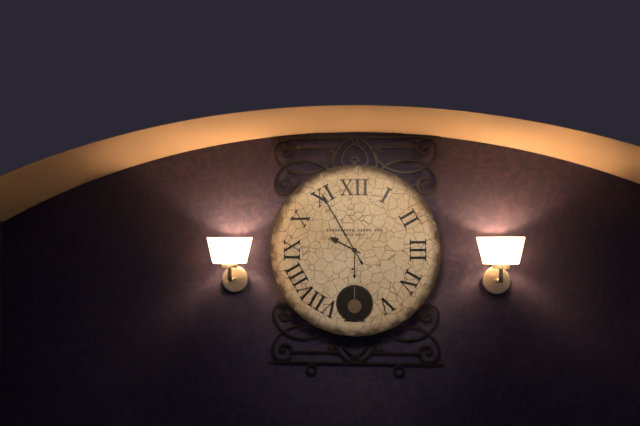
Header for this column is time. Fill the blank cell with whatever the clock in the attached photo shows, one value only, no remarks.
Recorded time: 9:55
